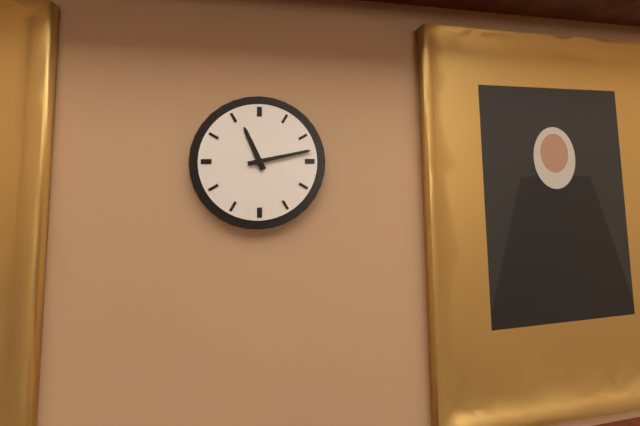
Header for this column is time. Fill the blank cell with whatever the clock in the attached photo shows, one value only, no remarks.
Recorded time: 11:13
